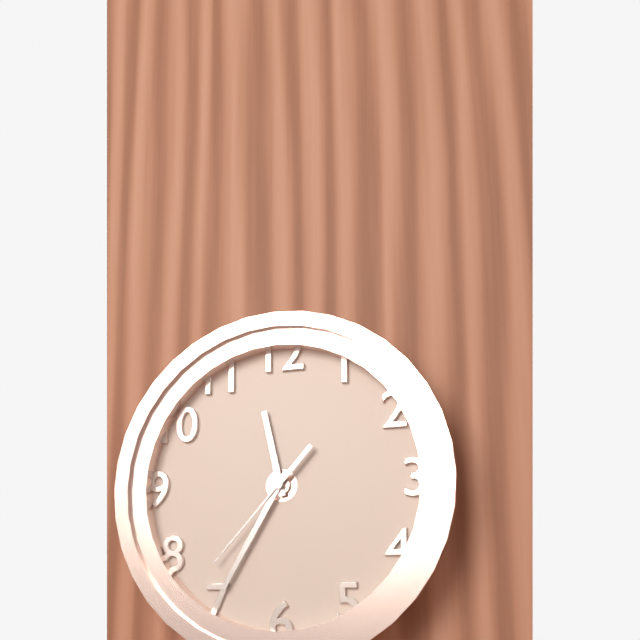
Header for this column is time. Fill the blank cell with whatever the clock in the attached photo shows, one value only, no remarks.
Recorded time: 11:35:37
